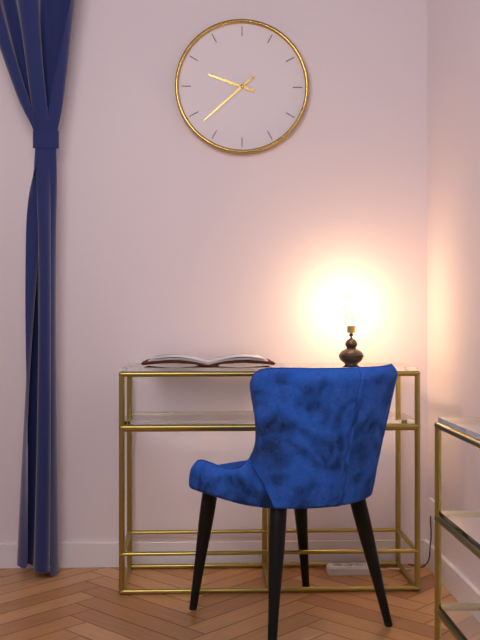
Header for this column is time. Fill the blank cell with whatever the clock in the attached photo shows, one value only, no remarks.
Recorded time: 9:38
